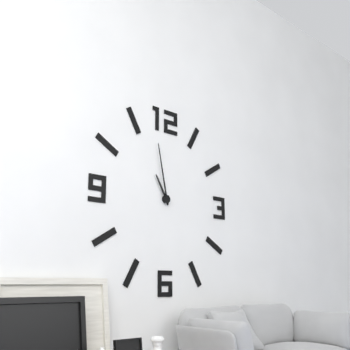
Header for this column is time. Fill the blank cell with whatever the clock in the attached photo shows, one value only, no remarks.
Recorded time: 10:58
